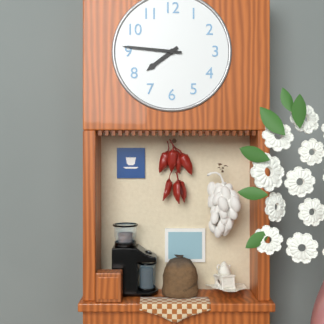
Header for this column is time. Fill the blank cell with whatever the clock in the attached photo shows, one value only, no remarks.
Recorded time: 7:46
